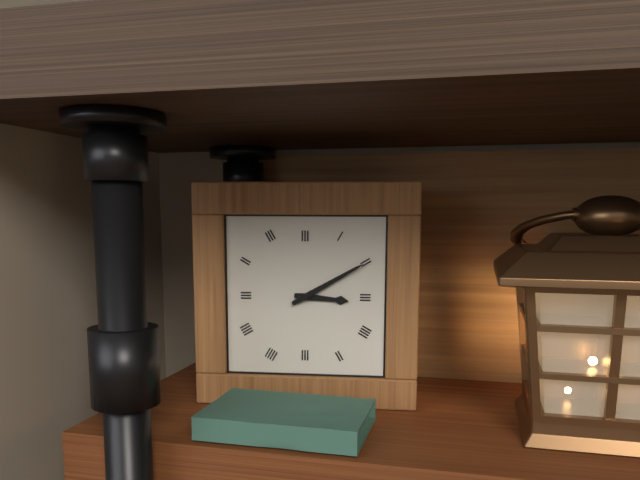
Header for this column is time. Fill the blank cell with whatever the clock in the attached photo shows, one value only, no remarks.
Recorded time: 3:10
